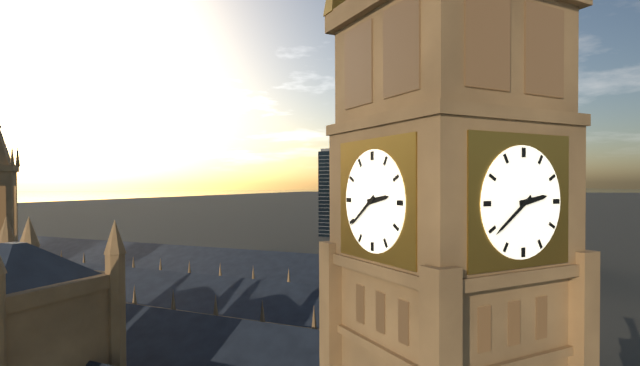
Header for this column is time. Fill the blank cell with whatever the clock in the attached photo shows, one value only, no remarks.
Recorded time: 2:39
